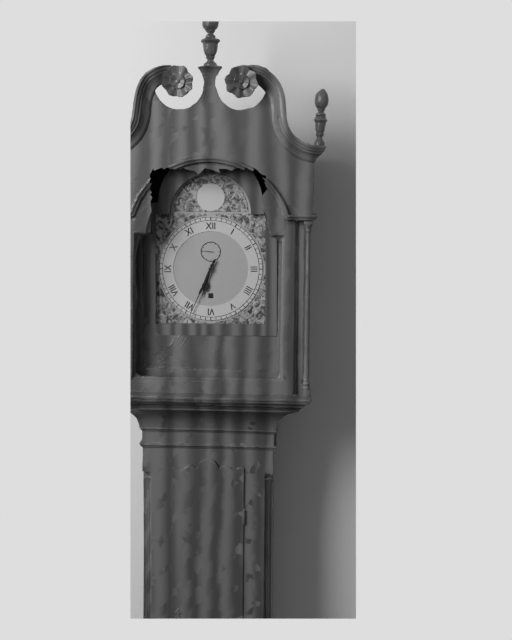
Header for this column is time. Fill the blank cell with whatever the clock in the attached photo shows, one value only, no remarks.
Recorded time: 6:34
